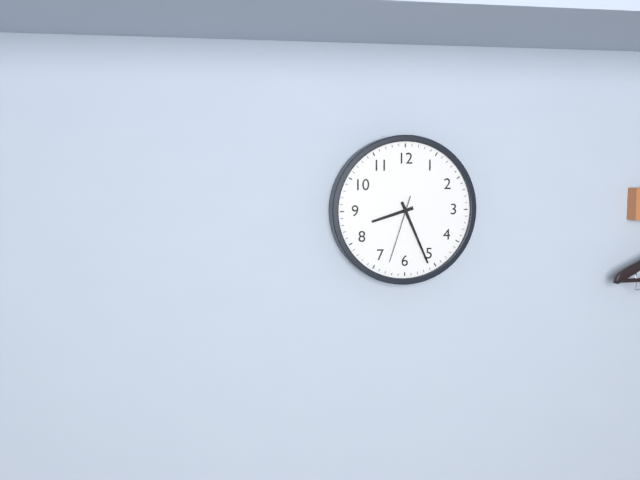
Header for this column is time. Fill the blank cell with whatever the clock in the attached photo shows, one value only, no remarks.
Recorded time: 8:26:33
